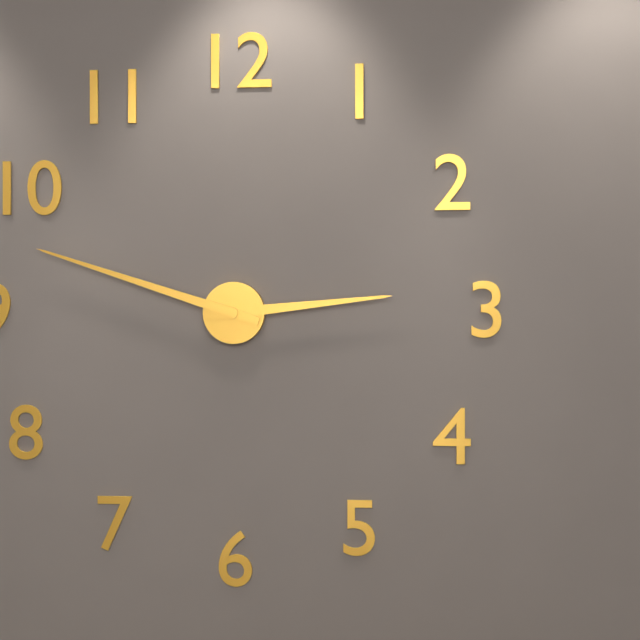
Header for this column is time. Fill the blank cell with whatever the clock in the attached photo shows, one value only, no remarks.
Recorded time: 2:48
